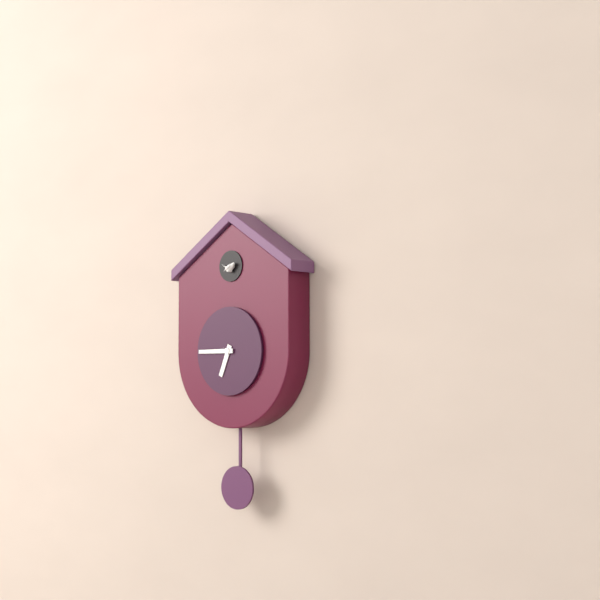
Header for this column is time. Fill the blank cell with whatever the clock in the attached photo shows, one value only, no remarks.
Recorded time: 6:45
